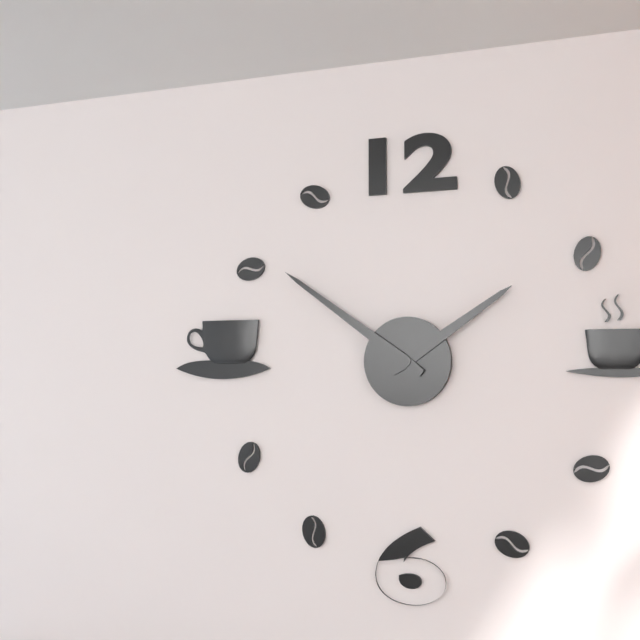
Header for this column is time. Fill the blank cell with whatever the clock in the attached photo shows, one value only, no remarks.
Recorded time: 1:51
